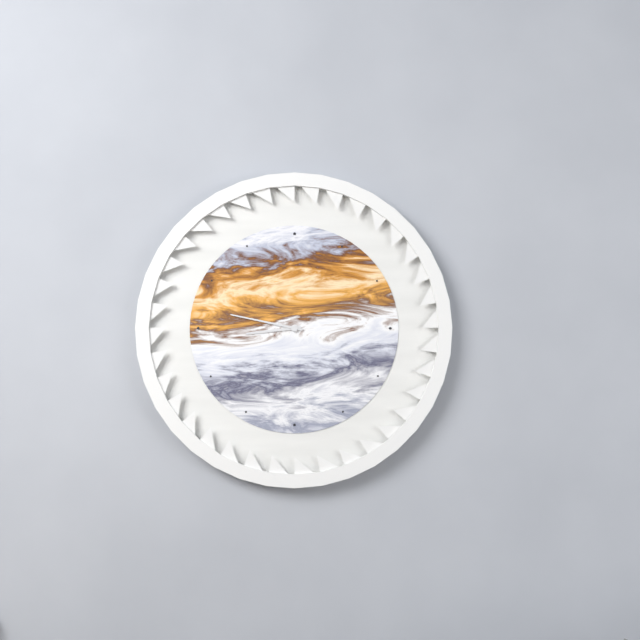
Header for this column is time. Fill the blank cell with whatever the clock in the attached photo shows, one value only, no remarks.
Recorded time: 8:47
